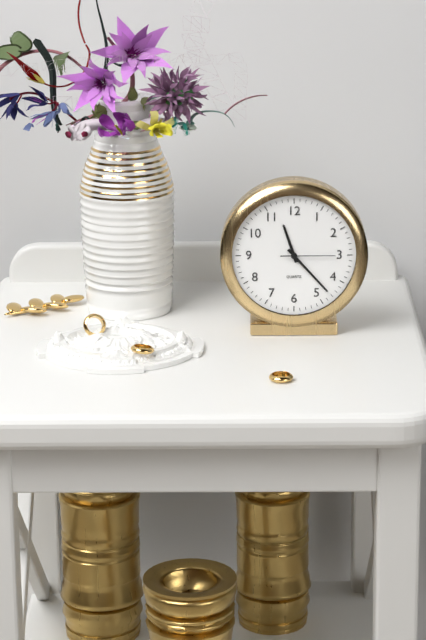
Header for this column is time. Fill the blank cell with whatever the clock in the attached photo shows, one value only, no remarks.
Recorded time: 11:23:15
